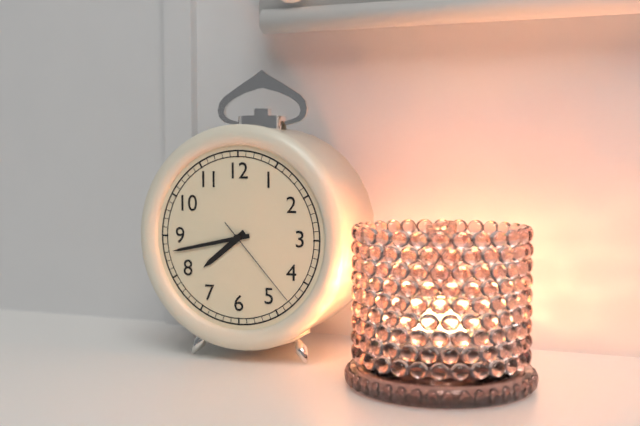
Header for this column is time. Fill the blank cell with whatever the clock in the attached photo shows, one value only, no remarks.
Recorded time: 7:43:23
